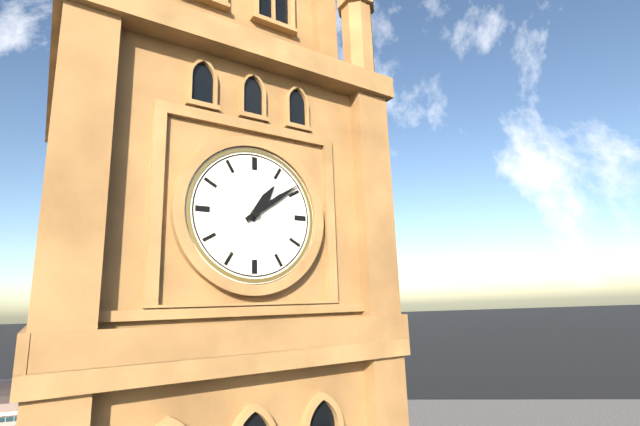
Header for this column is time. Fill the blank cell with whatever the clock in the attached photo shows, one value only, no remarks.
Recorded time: 1:09
